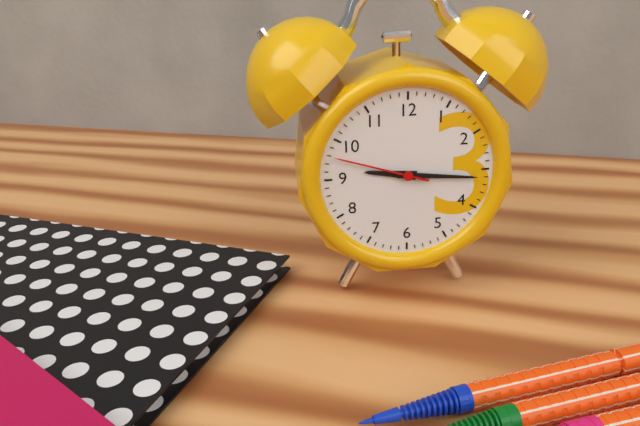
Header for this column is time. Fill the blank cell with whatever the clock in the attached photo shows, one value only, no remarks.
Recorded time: 9:16:48
